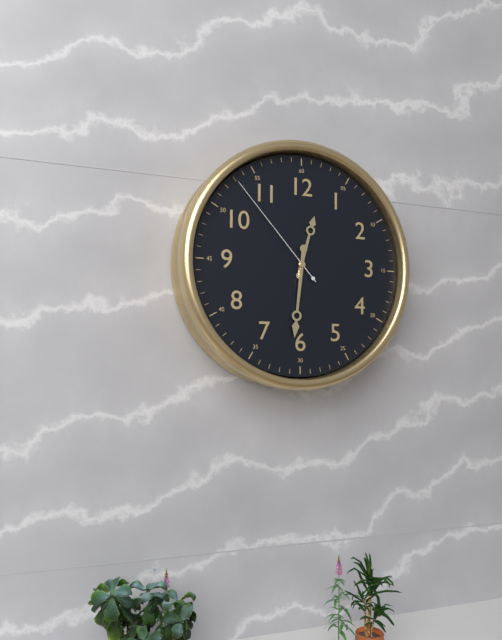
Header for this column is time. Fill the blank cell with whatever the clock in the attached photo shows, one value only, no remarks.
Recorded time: 12:31:53
